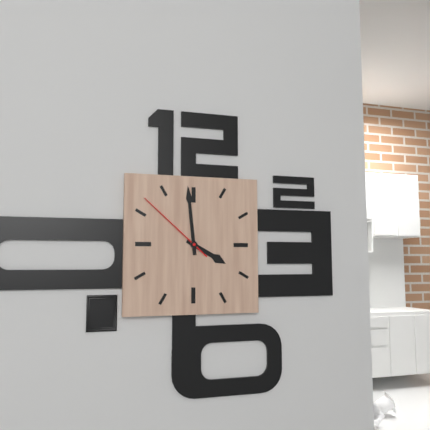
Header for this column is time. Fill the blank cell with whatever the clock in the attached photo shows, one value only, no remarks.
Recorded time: 3:59:52
